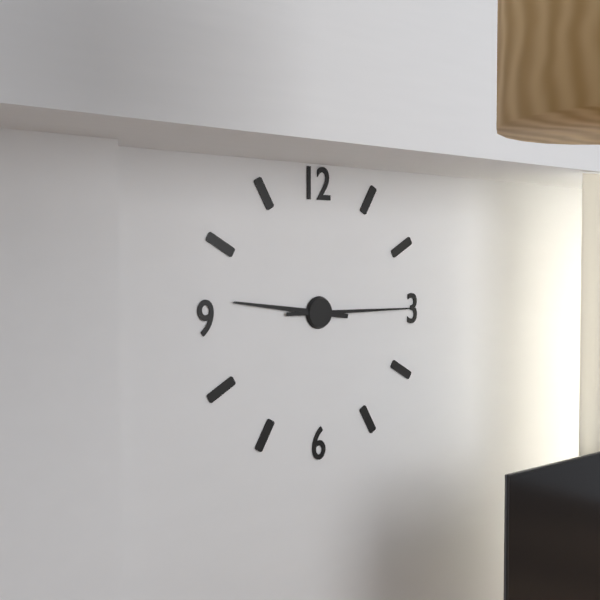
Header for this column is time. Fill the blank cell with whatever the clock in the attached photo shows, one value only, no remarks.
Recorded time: 9:15
